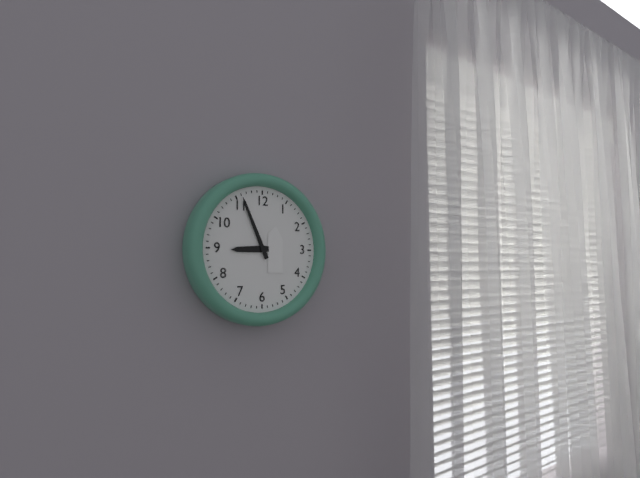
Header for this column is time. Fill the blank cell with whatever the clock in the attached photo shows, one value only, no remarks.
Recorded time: 8:56
